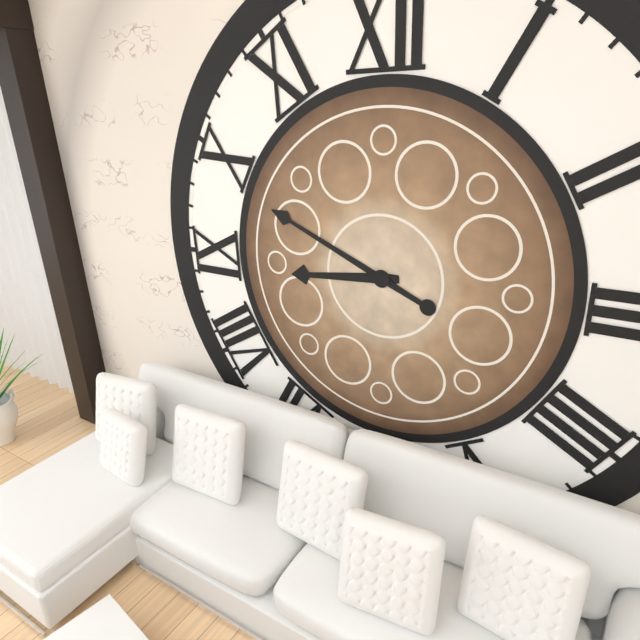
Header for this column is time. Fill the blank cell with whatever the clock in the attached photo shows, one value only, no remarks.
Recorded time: 8:49
